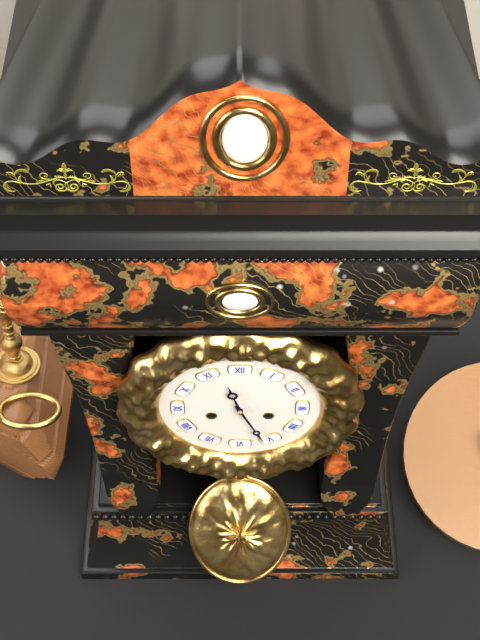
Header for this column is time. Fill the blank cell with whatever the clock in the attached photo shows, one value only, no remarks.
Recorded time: 11:26
